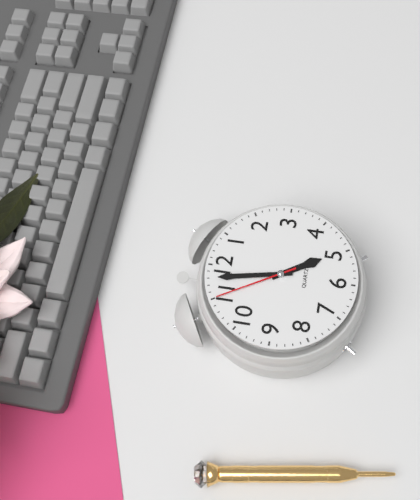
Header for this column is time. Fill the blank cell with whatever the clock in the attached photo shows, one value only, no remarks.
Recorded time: 4:58:55
